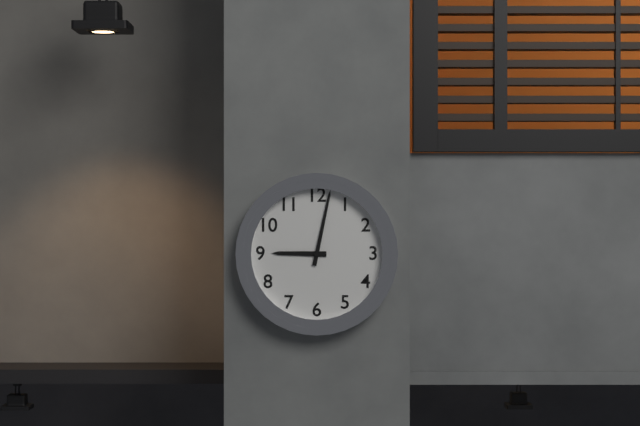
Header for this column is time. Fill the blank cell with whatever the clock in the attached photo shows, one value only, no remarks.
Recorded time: 9:02
